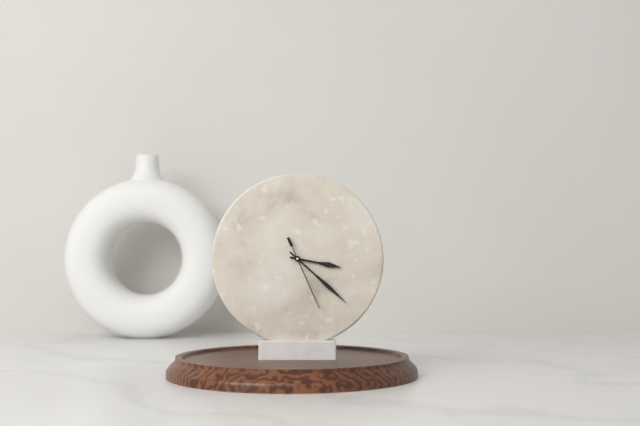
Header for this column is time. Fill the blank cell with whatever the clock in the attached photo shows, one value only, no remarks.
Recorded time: 3:22:26
